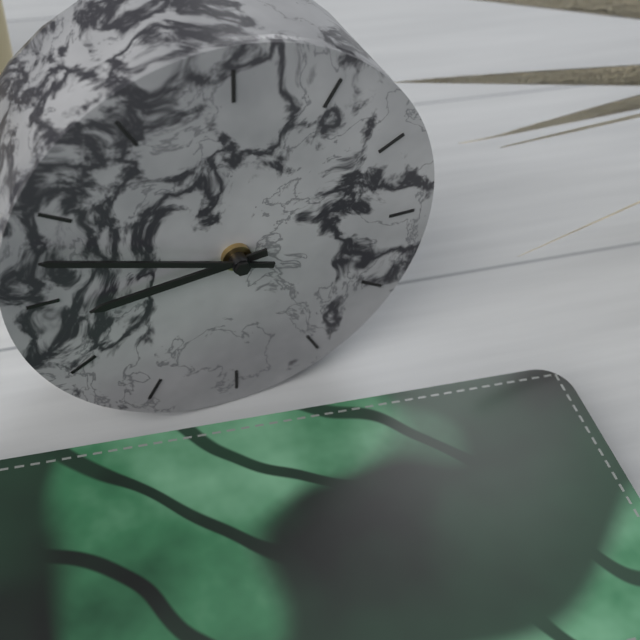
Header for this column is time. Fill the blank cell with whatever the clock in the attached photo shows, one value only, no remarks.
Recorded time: 8:48
